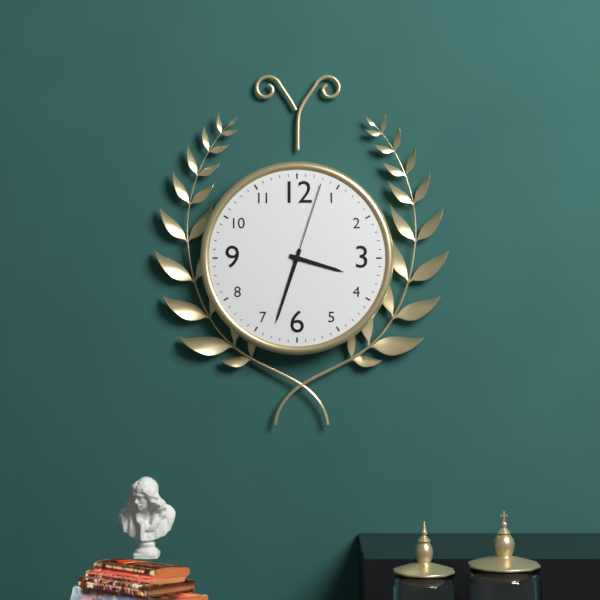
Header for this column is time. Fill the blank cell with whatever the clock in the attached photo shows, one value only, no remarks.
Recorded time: 3:33:03
